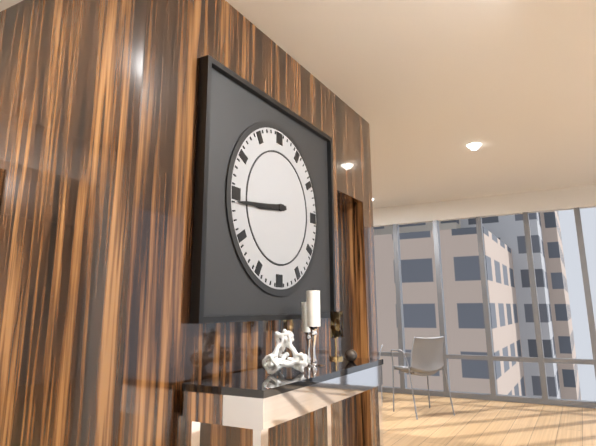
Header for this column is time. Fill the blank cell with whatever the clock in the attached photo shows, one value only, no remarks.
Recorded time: 8:44
